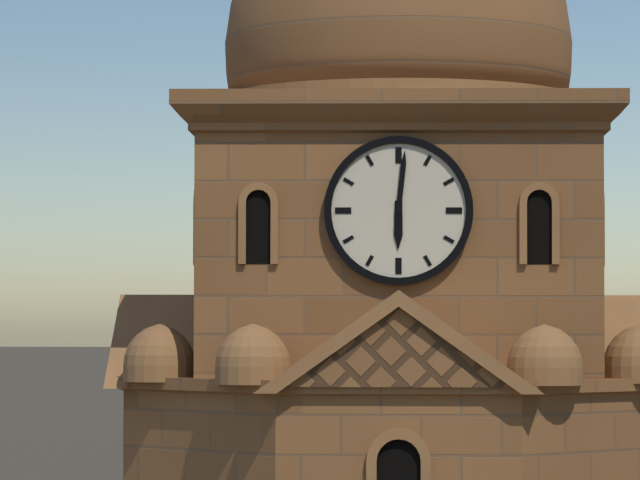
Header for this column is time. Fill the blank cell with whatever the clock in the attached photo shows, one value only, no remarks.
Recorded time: 6:01
